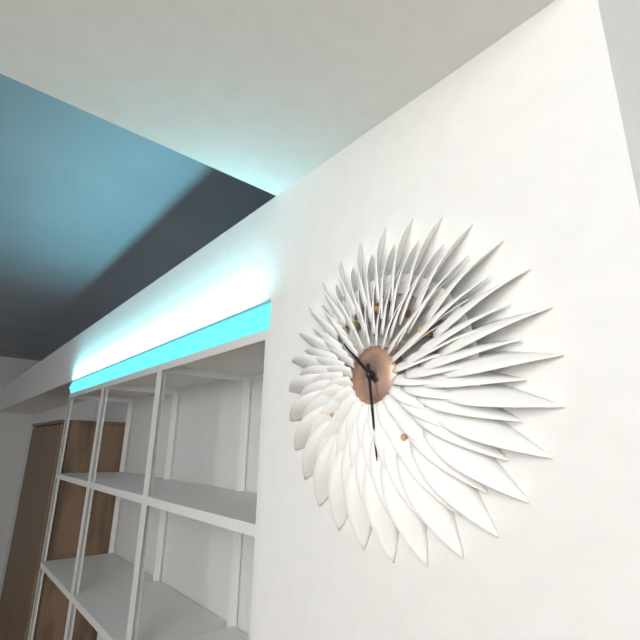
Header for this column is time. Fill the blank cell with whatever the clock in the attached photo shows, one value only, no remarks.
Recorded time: 10:29
